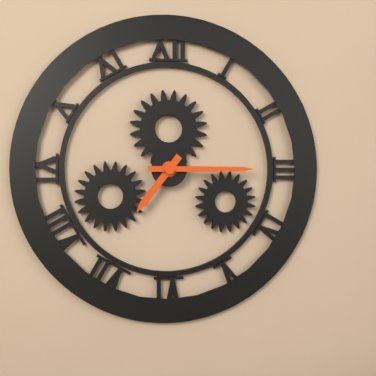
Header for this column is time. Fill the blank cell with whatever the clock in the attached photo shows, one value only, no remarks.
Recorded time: 7:15
